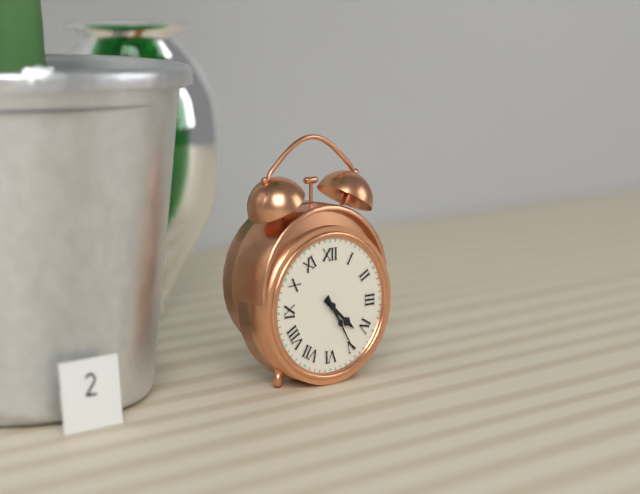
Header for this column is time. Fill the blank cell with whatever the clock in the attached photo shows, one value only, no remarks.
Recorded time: 4:25
